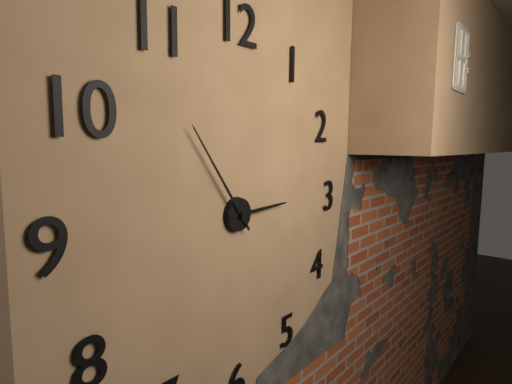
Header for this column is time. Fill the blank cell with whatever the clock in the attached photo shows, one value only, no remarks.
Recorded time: 2:54
